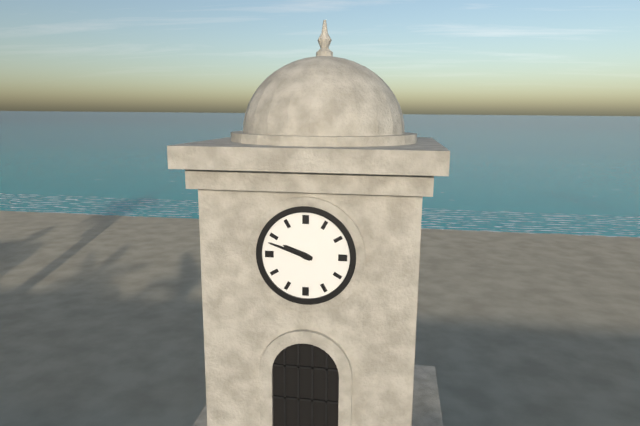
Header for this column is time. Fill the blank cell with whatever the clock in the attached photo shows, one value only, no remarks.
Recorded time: 9:48
